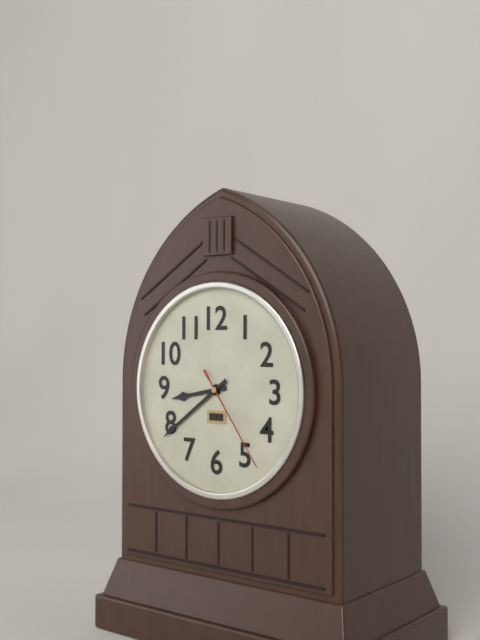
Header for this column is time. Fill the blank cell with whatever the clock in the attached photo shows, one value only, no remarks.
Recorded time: 8:39:24
